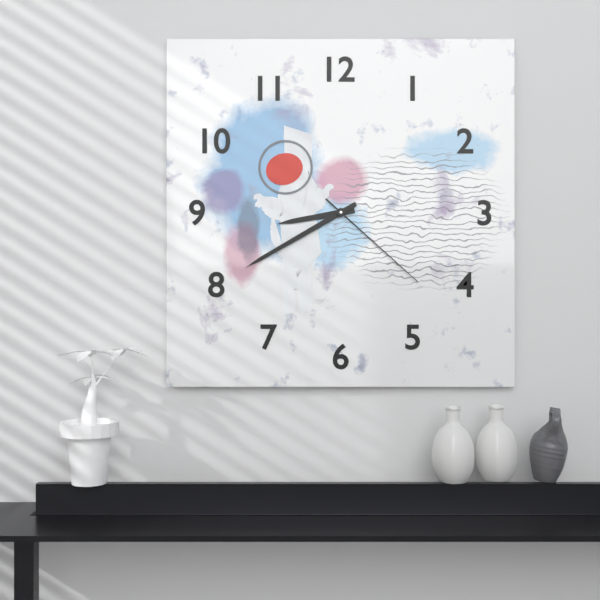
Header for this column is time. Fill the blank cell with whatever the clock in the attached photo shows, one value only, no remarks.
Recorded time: 8:40:22
